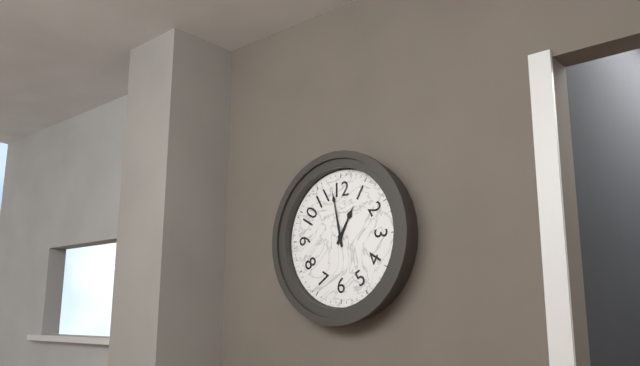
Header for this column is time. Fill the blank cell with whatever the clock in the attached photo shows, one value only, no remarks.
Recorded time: 12:58
